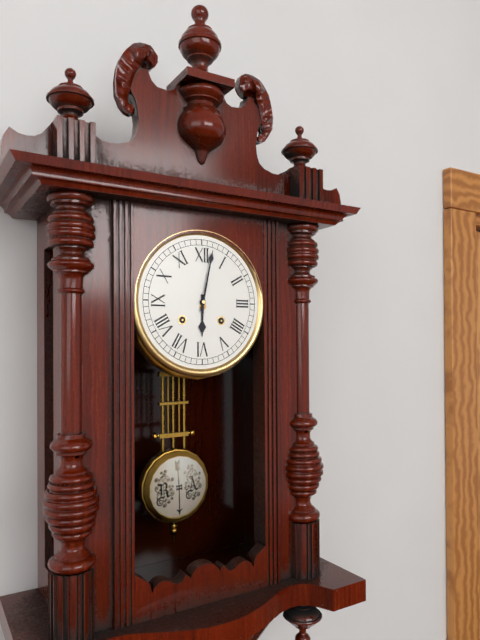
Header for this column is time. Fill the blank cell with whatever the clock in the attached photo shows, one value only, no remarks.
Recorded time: 6:02
